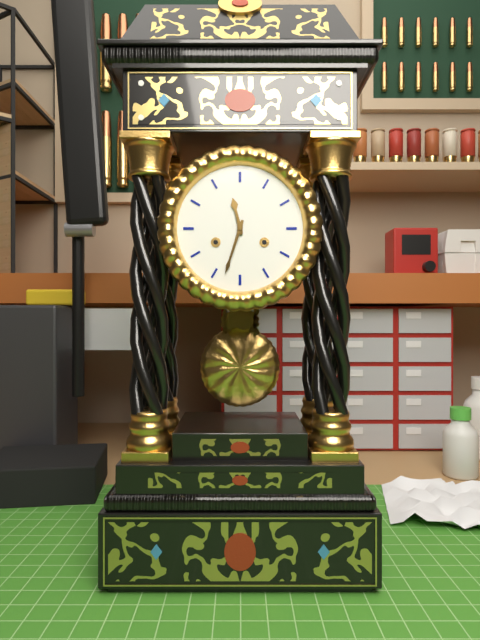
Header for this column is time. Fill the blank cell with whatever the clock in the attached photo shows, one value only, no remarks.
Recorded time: 11:33
